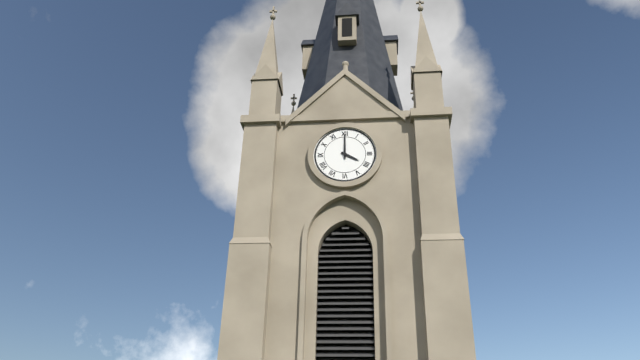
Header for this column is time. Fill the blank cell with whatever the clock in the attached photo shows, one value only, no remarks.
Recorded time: 4:00
